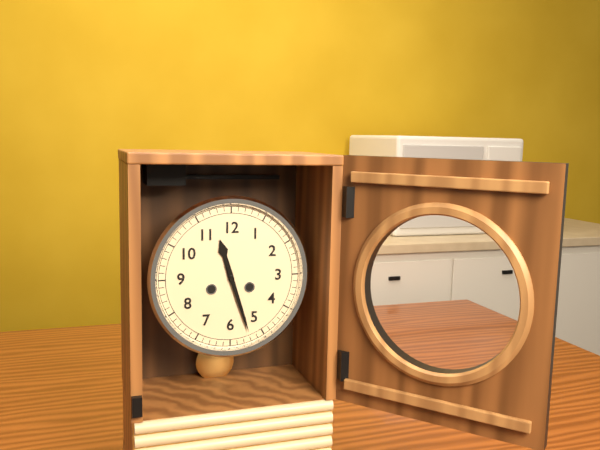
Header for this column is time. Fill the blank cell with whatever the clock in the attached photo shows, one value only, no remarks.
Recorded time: 11:27
